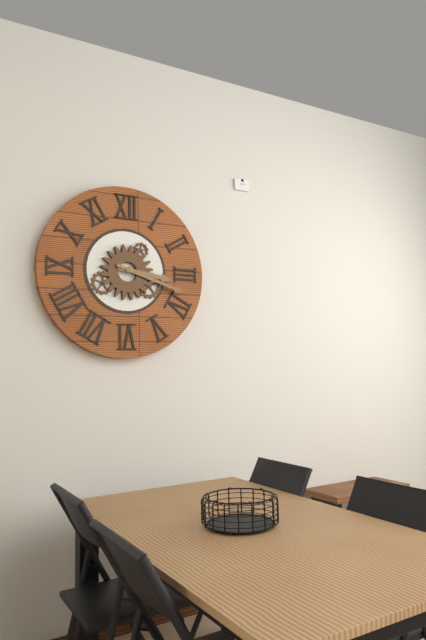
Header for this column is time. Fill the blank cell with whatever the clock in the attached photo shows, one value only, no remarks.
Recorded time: 3:18
